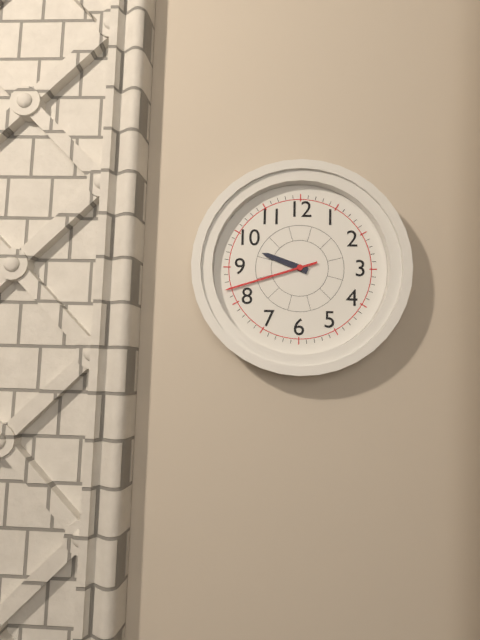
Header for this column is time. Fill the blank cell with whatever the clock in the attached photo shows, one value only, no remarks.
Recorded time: 9:42
